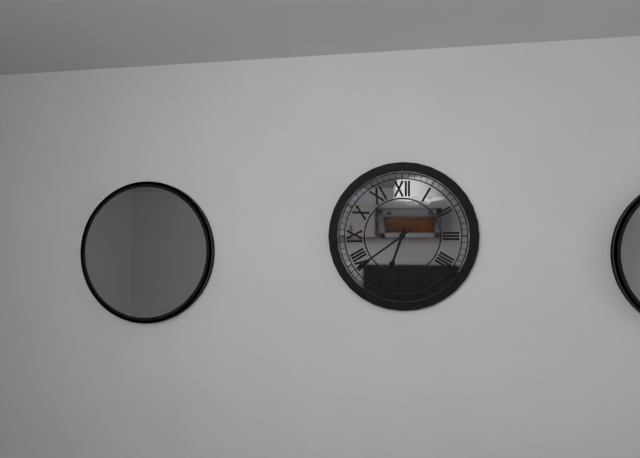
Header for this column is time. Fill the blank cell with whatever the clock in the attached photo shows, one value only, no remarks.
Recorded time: 6:39
